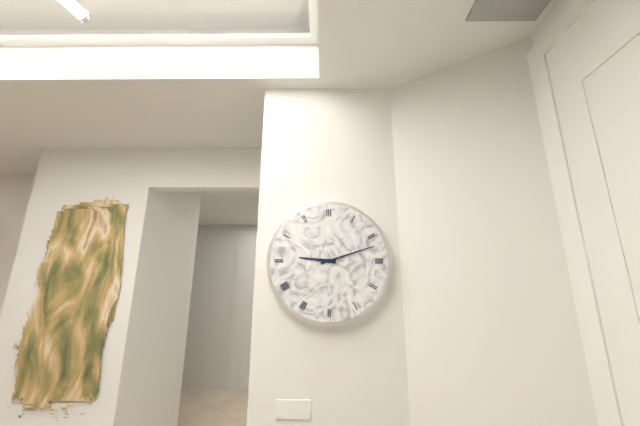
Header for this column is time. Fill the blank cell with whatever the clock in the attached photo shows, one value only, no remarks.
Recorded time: 9:12
